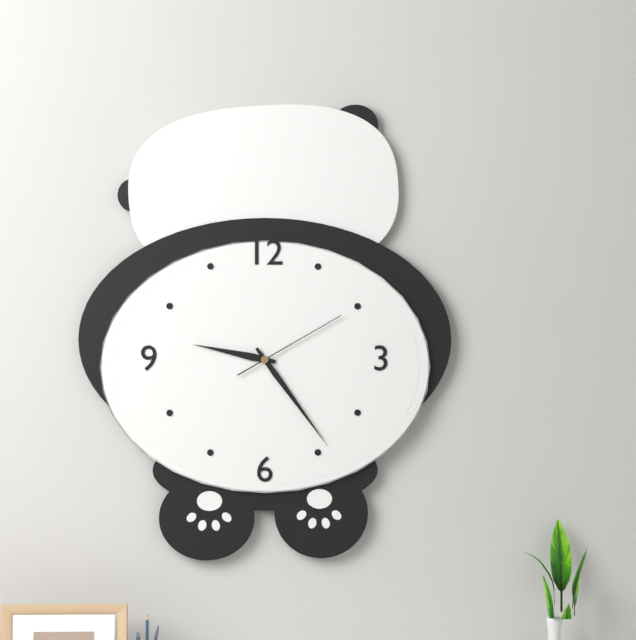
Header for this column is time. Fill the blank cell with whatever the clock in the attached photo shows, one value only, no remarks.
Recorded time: 9:24:10
